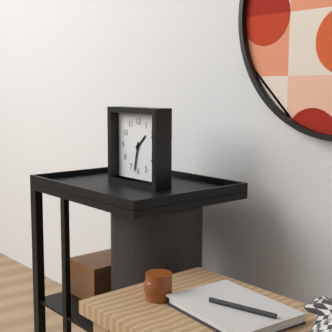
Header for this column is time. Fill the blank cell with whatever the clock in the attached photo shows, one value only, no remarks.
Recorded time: 1:32
